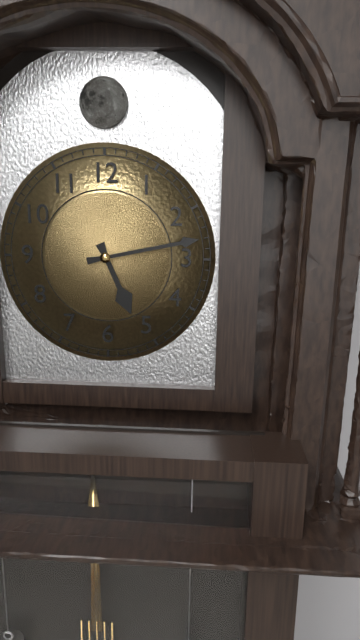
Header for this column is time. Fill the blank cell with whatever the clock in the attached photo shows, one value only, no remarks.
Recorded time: 5:13
